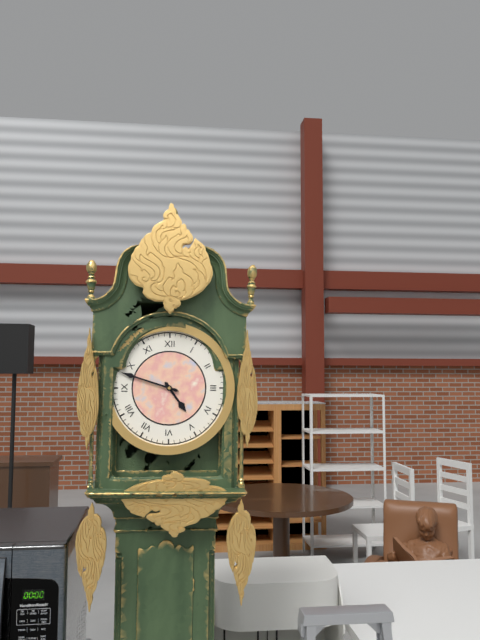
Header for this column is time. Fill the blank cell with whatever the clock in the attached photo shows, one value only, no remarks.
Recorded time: 4:48
